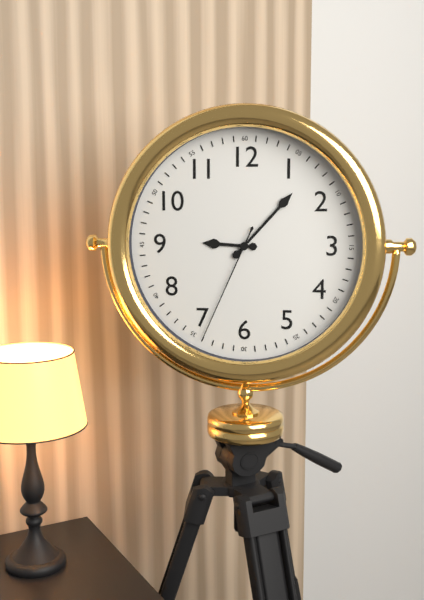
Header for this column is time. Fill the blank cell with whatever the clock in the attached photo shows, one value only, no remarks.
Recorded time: 9:07:34
